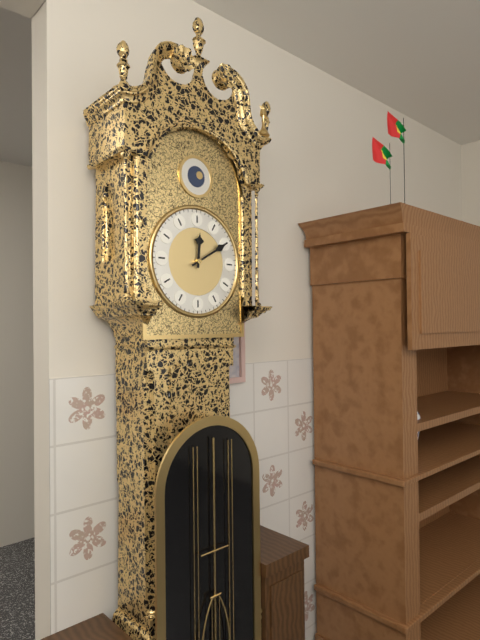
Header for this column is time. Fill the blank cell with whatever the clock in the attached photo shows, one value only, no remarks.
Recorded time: 12:10
